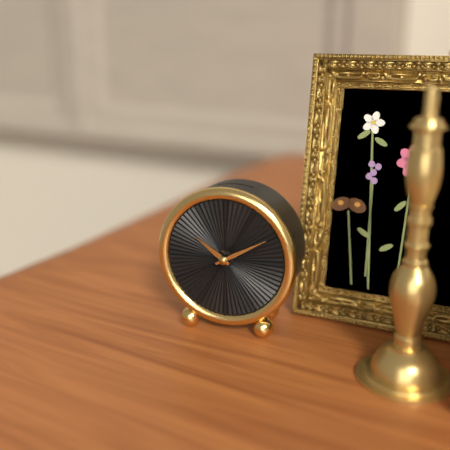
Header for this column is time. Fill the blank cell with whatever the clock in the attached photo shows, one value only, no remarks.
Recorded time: 10:10
